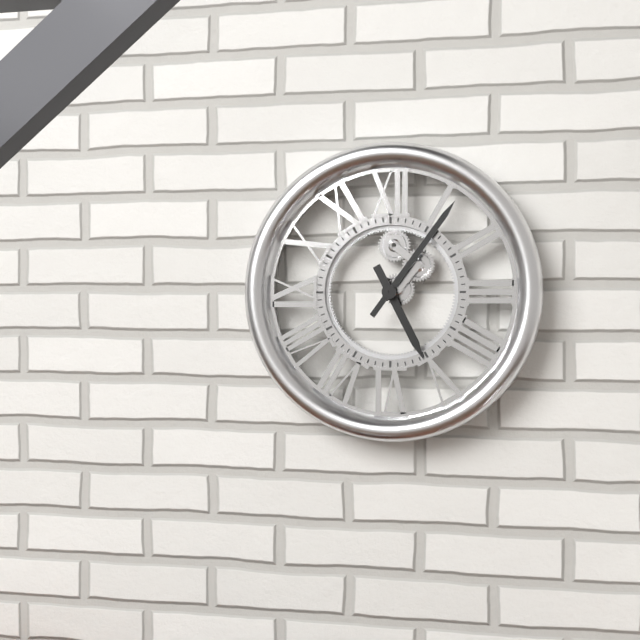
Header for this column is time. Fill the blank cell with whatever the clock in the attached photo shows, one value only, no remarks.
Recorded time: 5:06
